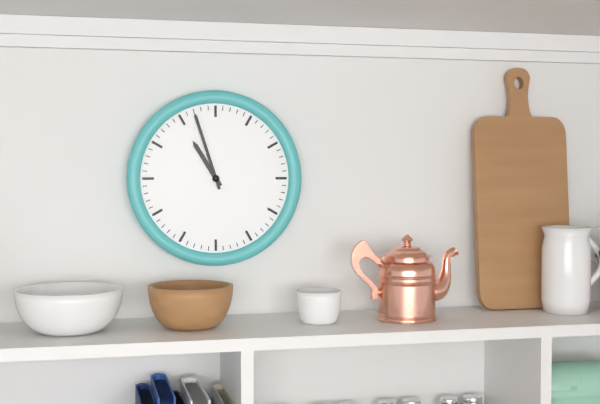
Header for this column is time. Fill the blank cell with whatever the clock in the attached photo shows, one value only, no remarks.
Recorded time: 10:57
